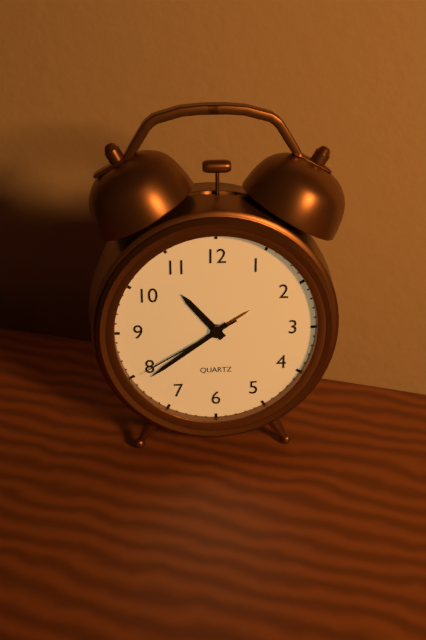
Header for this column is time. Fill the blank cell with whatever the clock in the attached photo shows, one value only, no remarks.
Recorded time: 10:39:40
